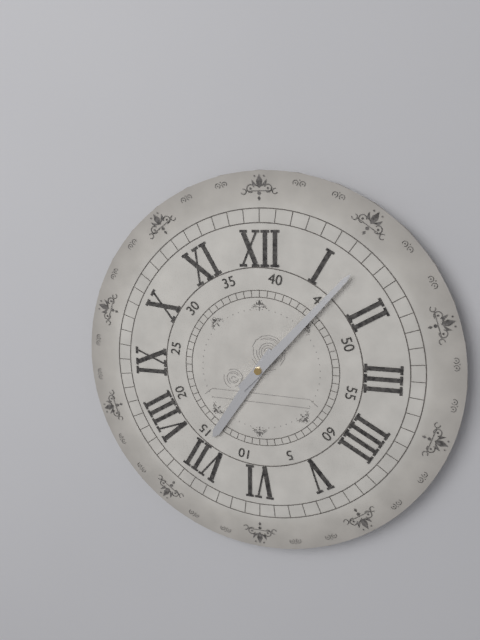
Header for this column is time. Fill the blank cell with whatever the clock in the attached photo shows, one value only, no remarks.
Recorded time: 7:07
